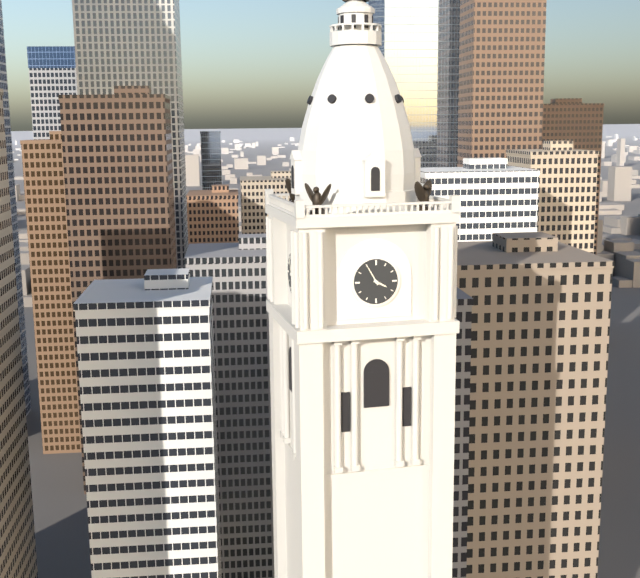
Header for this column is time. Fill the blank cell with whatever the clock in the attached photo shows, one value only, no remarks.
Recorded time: 3:55
